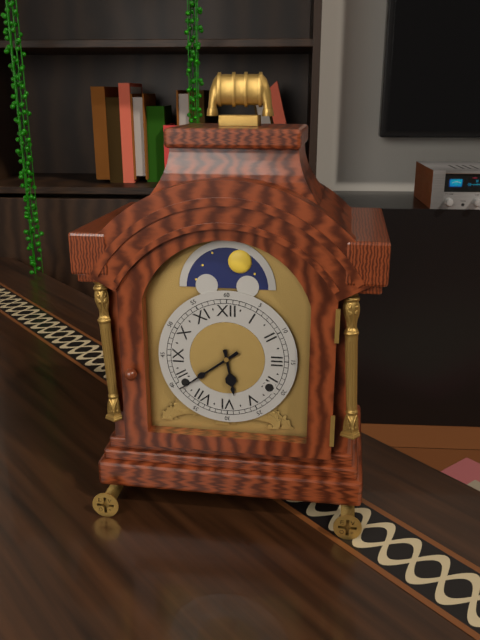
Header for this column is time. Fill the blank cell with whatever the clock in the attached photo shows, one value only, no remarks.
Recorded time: 5:39
